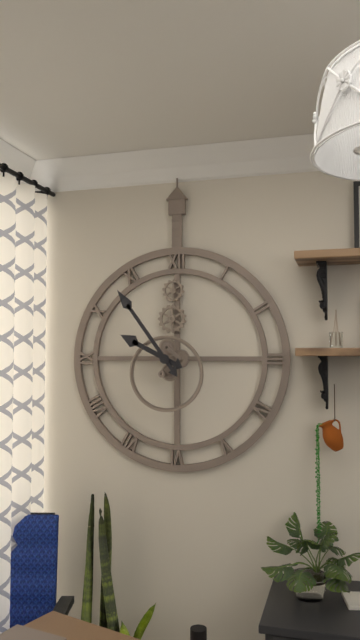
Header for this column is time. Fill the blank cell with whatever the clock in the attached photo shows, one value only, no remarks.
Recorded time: 9:54
